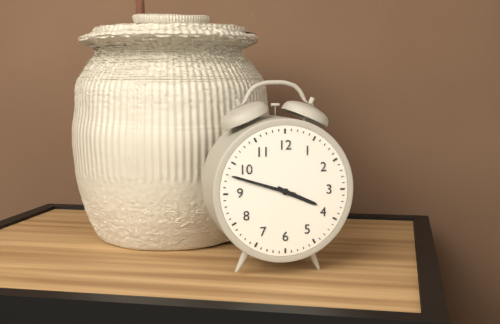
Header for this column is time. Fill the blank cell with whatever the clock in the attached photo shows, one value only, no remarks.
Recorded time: 3:48
